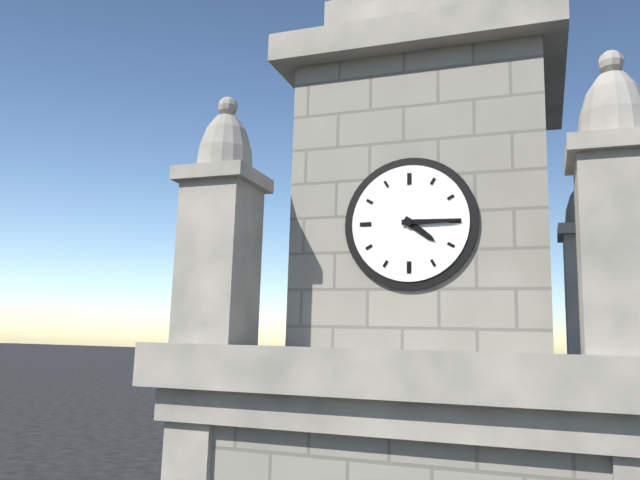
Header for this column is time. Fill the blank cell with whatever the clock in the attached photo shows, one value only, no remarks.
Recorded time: 4:15
